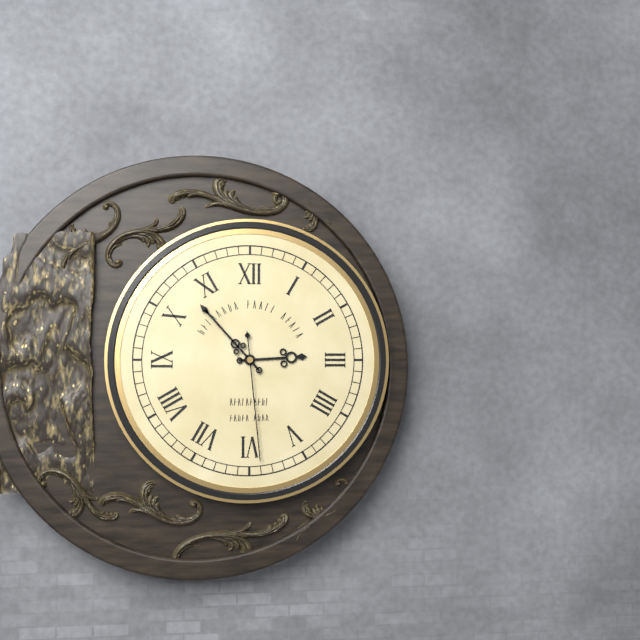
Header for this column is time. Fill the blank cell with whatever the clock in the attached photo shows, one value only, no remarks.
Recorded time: 2:53:29
